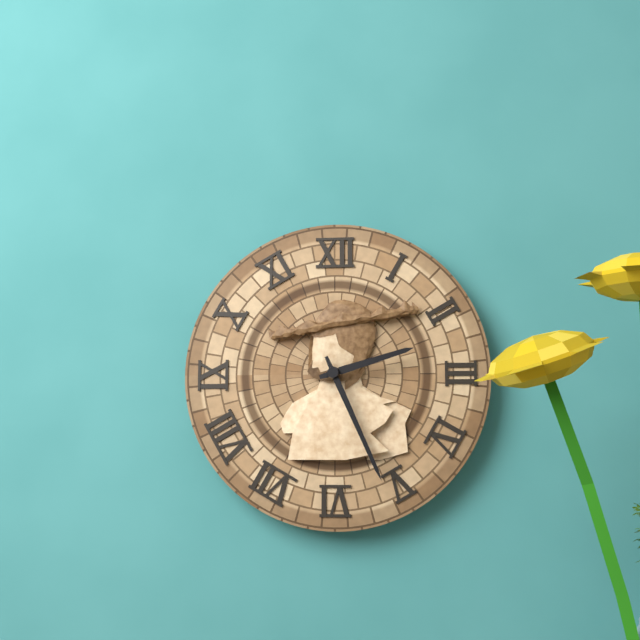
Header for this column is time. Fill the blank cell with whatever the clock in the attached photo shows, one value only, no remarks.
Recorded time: 2:26
